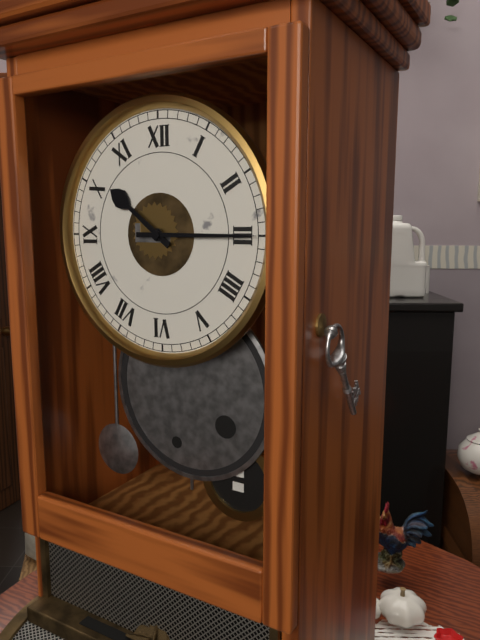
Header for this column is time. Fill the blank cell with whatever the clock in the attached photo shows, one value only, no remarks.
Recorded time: 10:15
